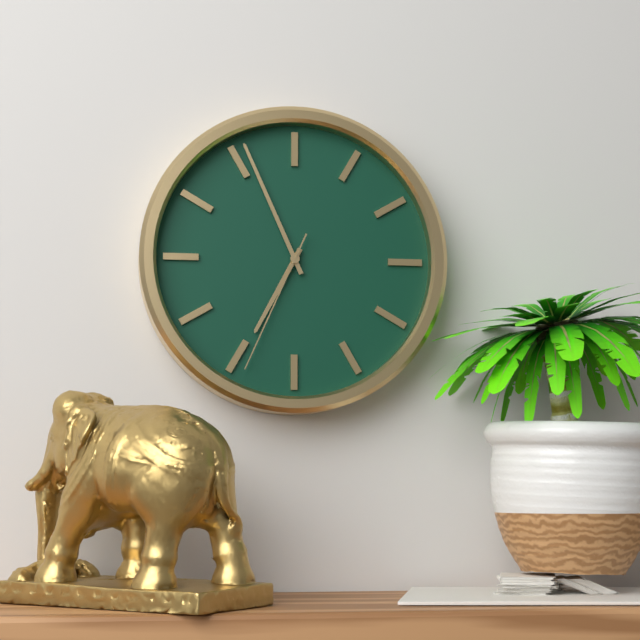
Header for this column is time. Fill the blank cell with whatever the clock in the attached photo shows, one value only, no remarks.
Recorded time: 6:56:34
